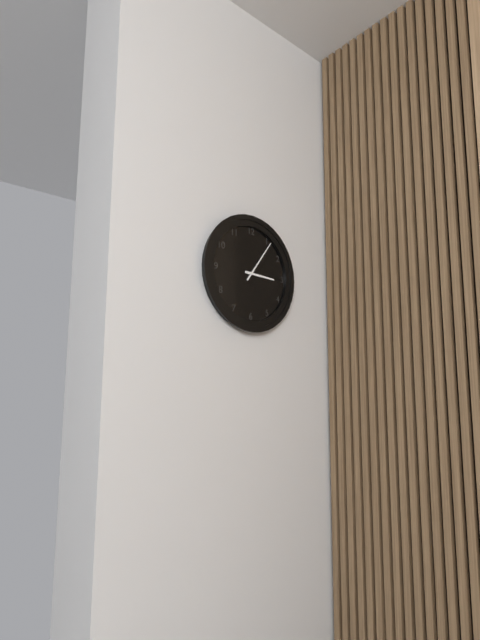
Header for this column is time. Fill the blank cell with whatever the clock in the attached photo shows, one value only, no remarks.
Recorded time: 3:06
